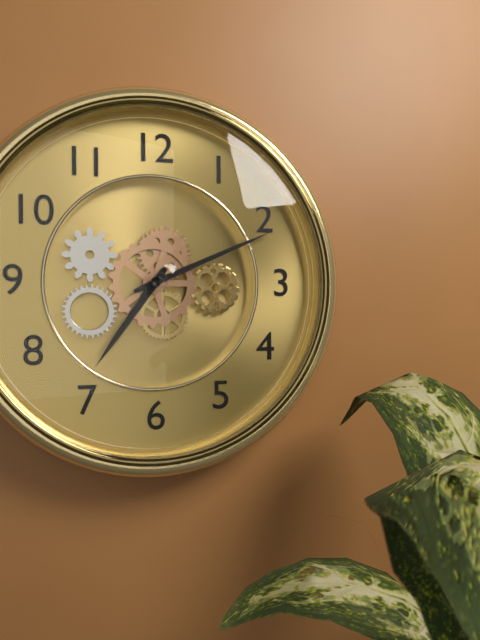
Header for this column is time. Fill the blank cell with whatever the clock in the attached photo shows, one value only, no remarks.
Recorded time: 7:11
